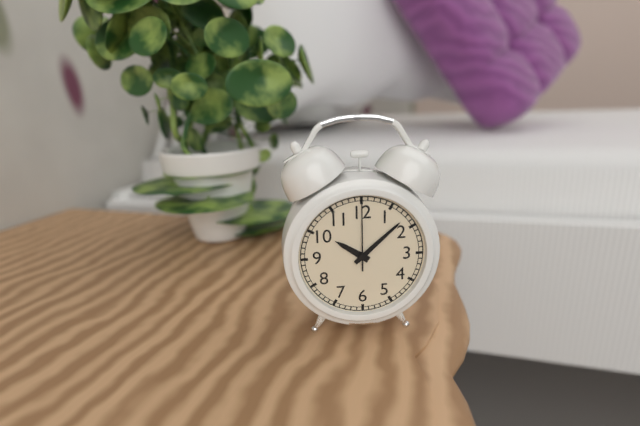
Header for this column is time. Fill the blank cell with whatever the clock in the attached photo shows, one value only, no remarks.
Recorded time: 10:08:00
